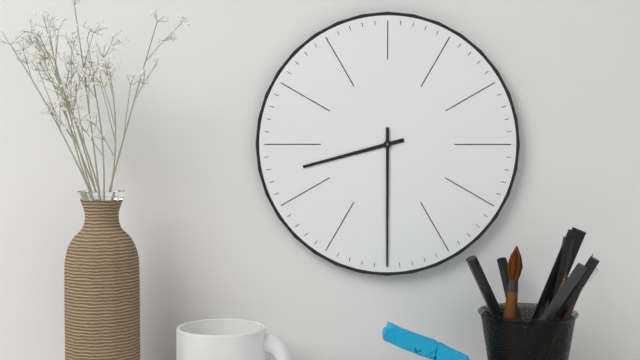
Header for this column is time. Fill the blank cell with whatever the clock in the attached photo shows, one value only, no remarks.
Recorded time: 8:30
